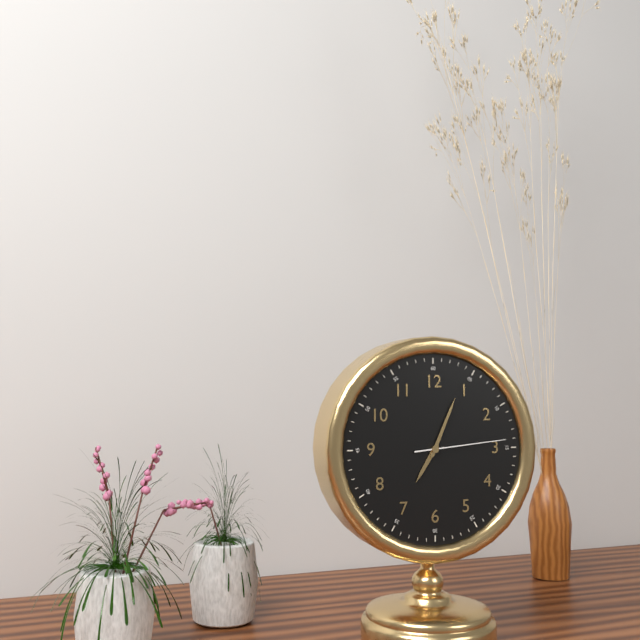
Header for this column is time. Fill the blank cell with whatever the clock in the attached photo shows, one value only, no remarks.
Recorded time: 7:04:14
